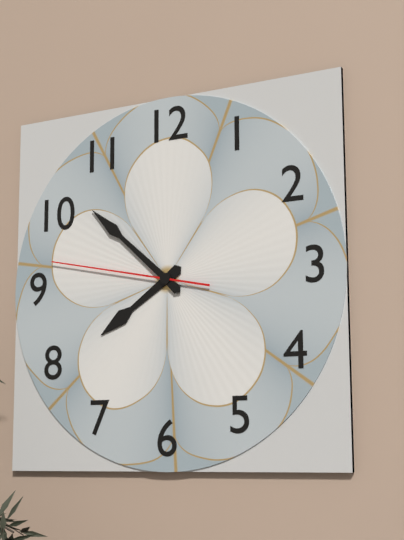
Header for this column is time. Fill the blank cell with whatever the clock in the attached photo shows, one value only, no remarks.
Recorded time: 7:52:47
